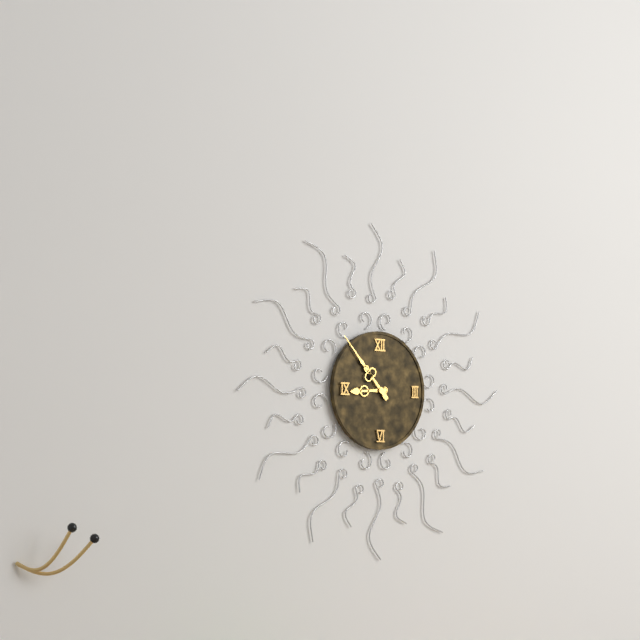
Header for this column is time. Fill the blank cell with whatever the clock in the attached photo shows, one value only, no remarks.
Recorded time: 8:53
